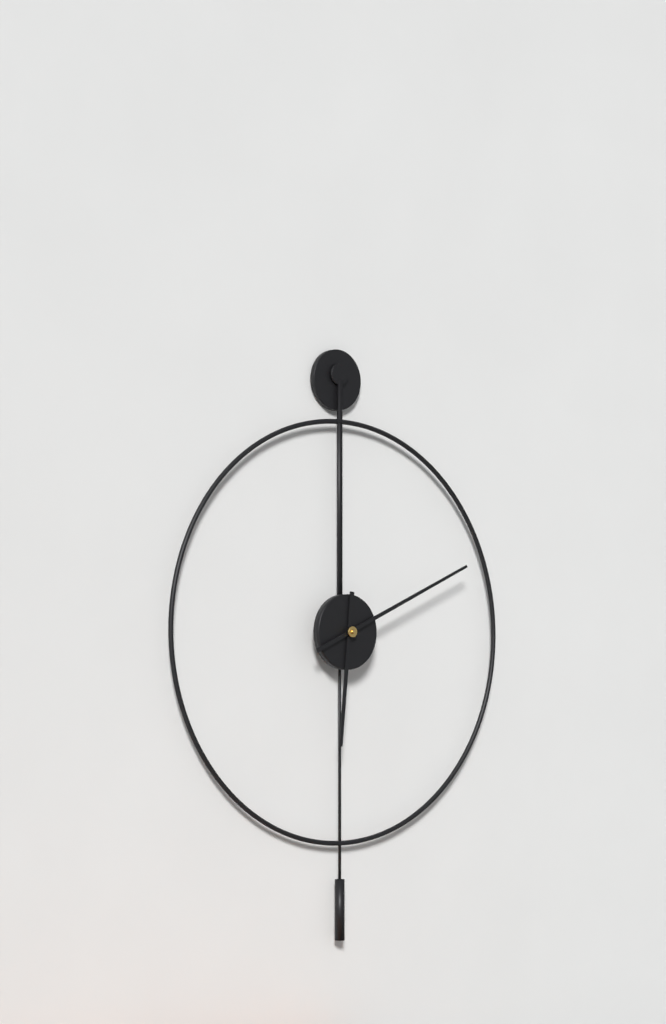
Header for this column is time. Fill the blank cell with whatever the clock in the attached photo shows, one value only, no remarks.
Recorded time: 6:11
